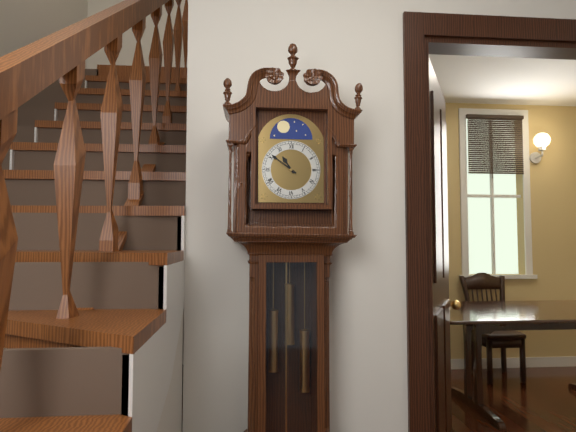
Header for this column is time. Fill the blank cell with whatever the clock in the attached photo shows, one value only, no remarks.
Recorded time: 10:51
